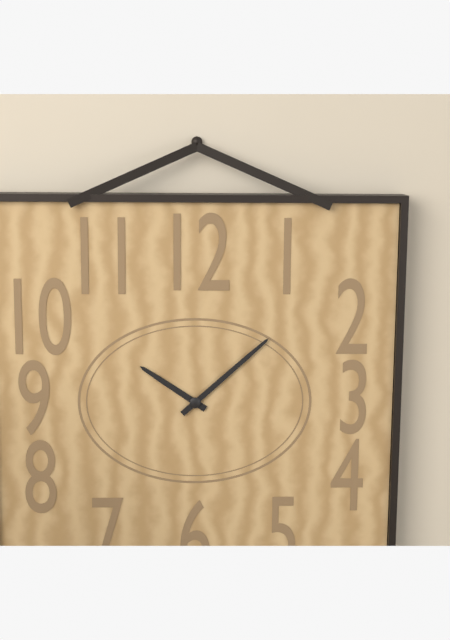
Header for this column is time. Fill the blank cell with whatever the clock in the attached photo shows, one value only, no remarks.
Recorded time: 10:08
